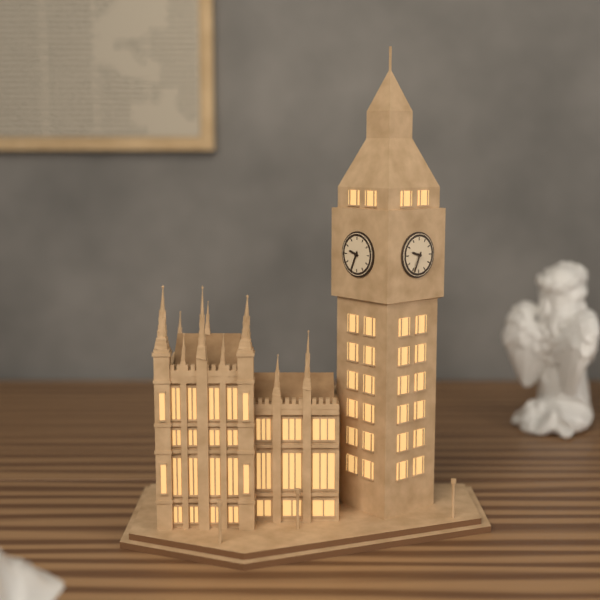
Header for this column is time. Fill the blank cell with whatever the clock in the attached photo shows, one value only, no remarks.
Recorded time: 9:34
